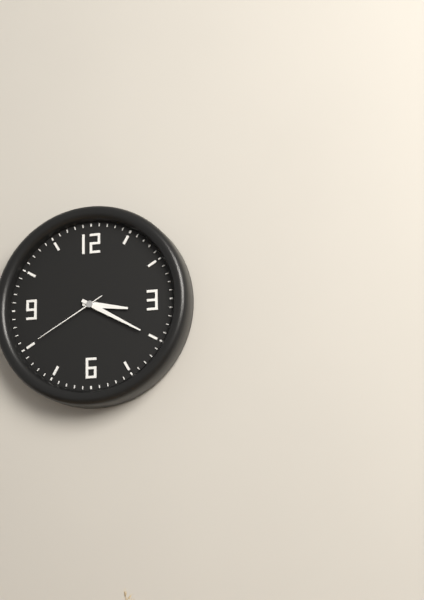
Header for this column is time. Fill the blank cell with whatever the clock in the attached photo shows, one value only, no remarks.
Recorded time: 3:20:40
